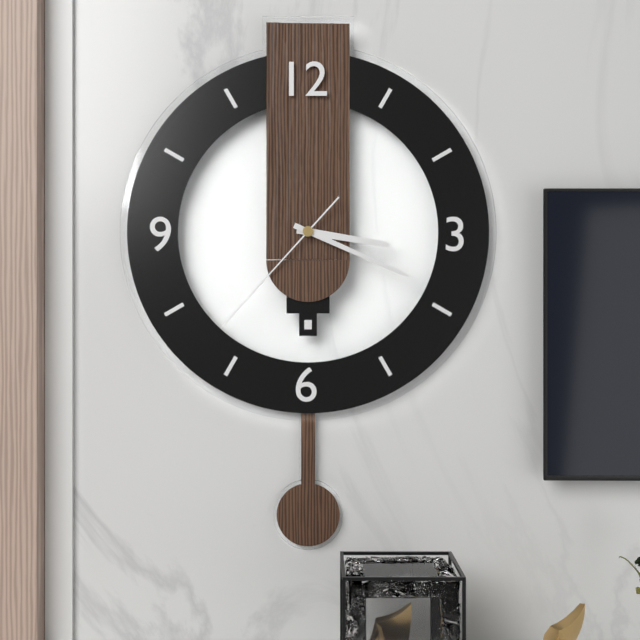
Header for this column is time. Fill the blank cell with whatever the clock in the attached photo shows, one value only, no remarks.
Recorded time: 3:19:37
